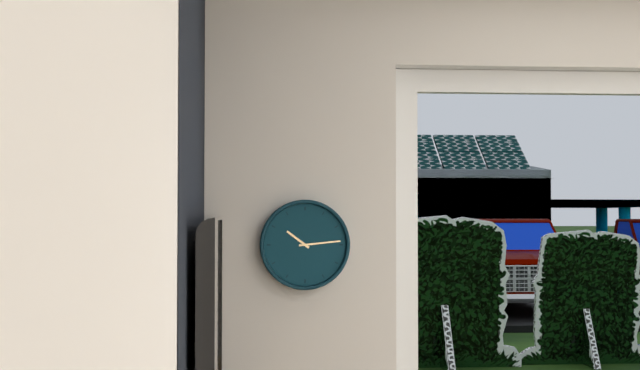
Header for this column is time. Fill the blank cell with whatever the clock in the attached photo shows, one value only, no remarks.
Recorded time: 10:14
